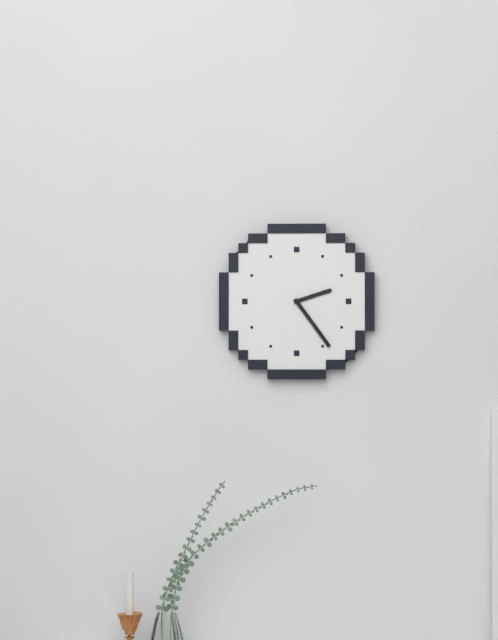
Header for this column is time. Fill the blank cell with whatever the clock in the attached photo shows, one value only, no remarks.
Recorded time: 2:24
